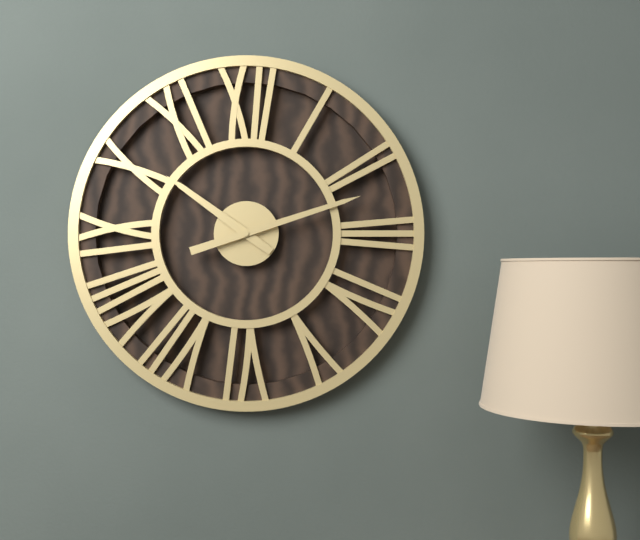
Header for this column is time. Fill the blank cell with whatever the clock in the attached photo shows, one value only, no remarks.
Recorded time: 10:12
